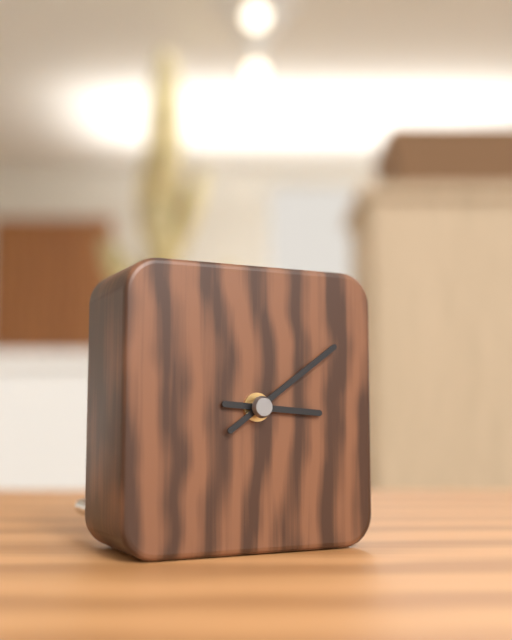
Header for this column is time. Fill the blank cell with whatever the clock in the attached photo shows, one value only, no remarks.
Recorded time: 3:09
